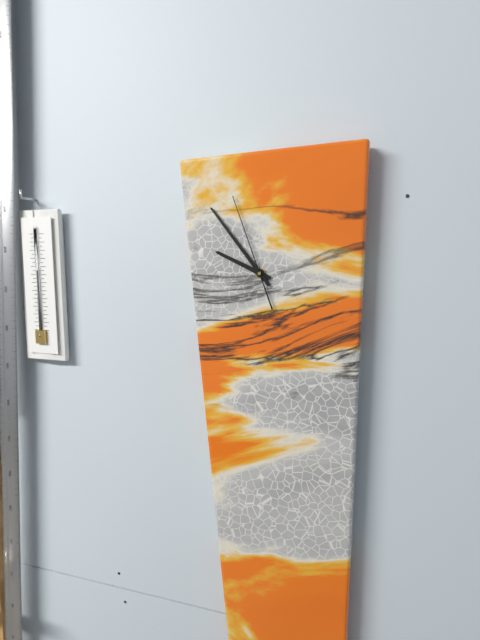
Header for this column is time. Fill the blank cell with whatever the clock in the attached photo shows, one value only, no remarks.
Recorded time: 9:54:57
